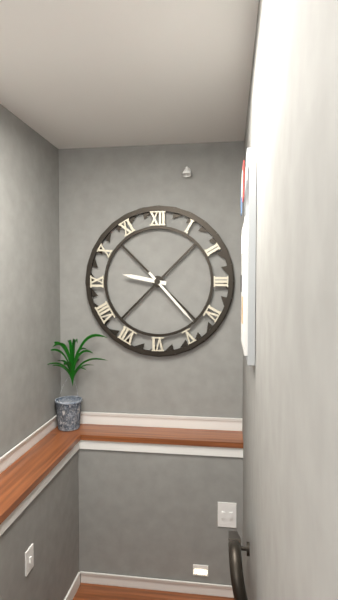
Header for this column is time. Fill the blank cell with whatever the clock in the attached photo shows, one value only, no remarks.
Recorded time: 9:23
